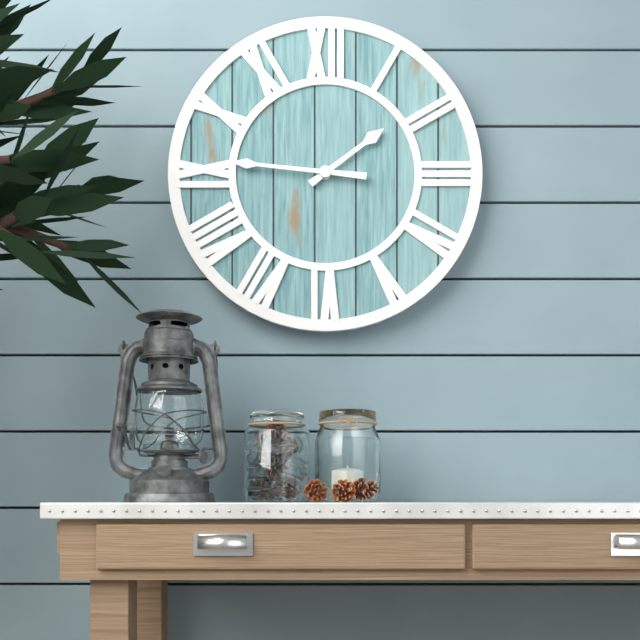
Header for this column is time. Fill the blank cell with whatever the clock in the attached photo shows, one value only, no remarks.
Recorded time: 1:46
